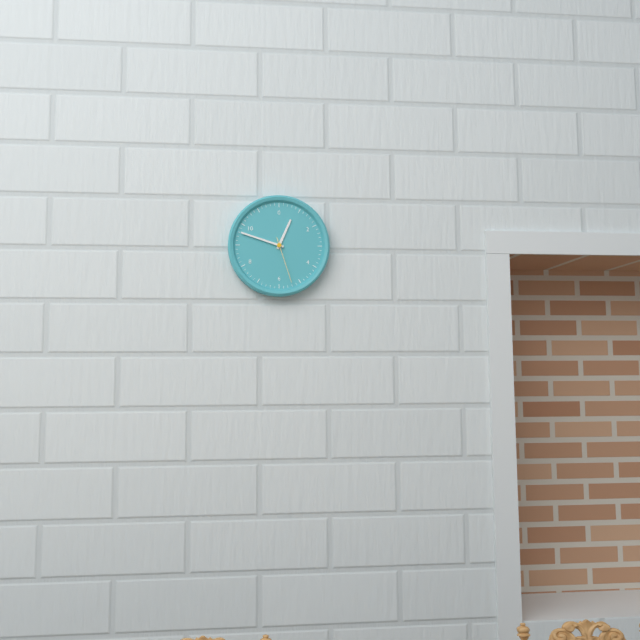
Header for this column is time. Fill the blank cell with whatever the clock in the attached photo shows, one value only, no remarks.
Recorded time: 12:48
